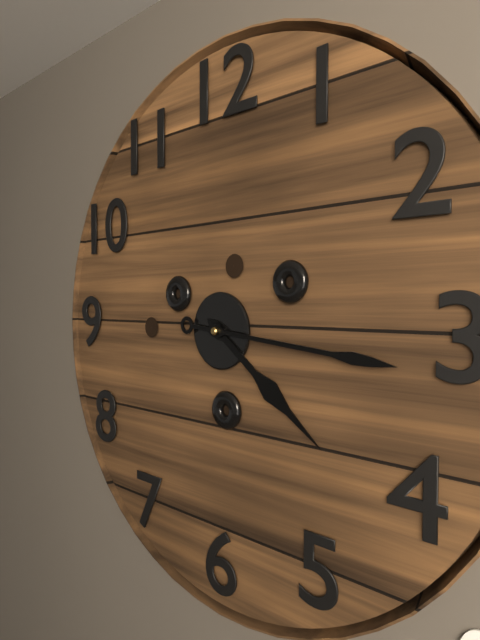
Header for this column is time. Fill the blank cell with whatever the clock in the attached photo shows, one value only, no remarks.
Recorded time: 4:16
